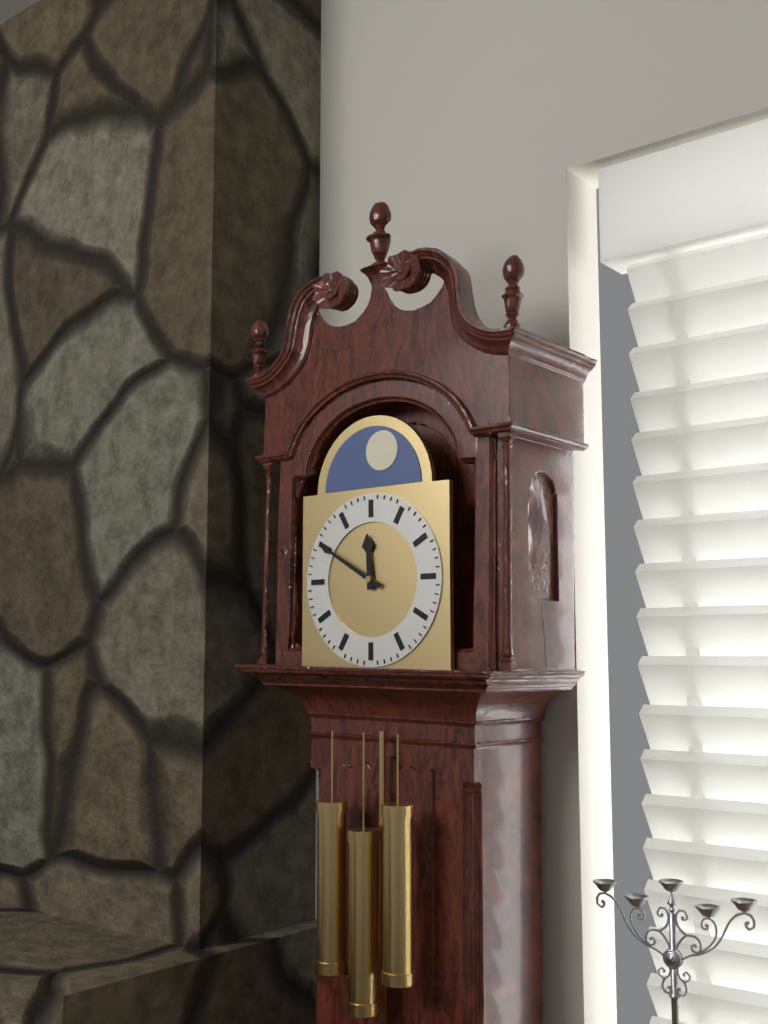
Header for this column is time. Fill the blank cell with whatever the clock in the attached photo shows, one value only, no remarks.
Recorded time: 11:50
